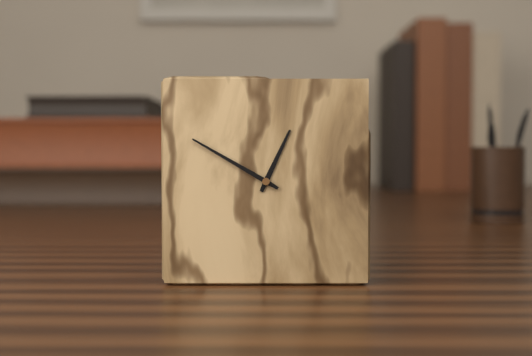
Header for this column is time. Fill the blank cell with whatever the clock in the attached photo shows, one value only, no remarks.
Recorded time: 12:50
